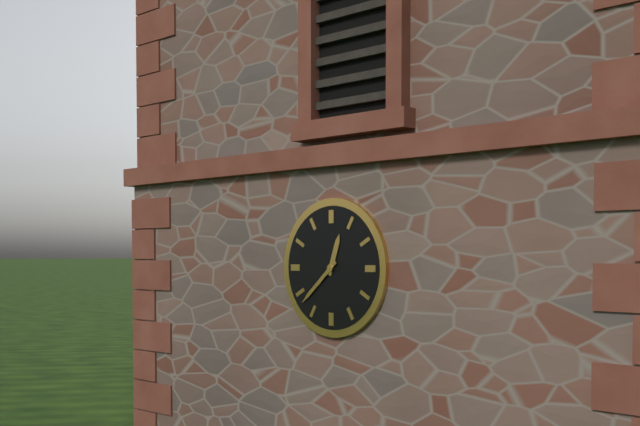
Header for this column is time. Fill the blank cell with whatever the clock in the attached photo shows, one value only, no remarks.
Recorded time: 12:38
